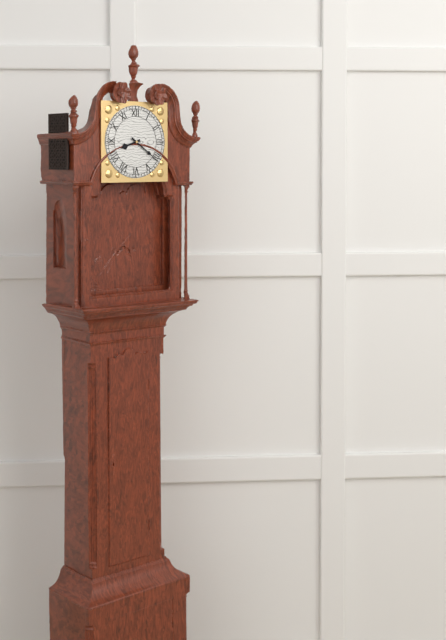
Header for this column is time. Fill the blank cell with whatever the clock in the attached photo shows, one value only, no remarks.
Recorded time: 8:21
